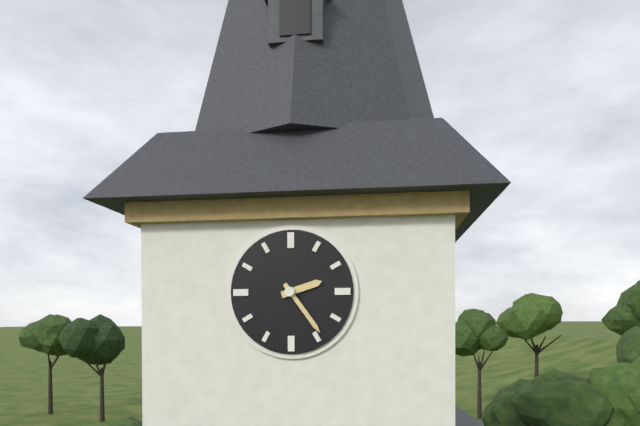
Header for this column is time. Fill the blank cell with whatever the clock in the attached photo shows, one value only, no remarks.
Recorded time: 2:24
